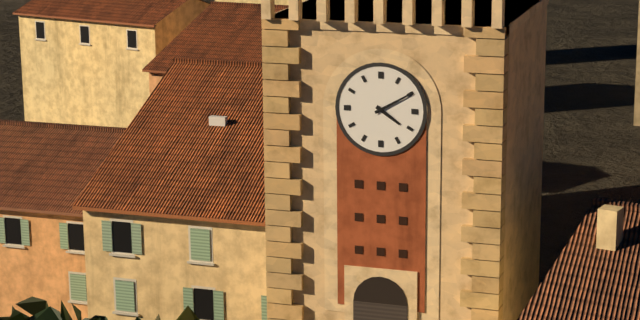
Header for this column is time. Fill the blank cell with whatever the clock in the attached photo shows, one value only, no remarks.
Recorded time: 4:10
